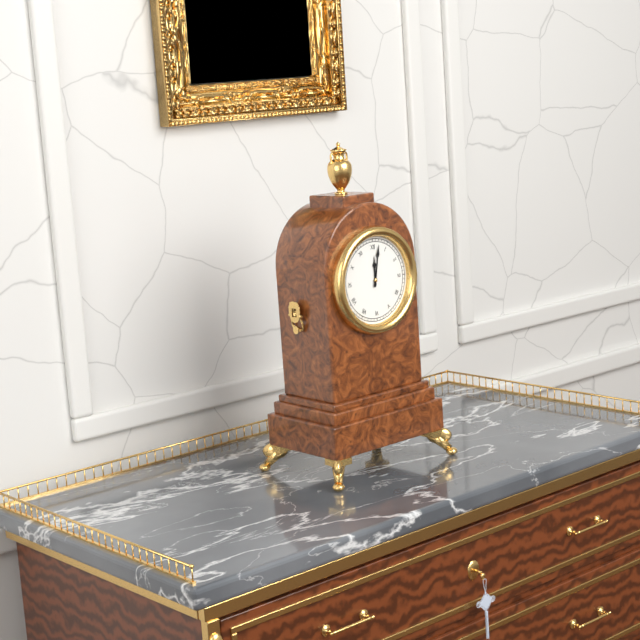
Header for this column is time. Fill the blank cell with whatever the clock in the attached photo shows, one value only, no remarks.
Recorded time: 12:02
